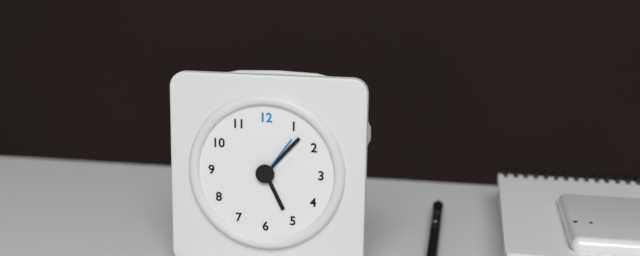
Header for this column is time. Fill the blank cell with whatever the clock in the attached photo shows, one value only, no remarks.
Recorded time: 5:07:06
